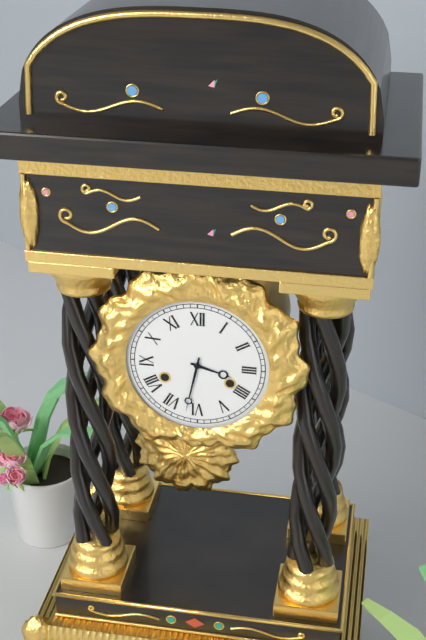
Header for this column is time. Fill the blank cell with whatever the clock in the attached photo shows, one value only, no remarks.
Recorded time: 3:32
